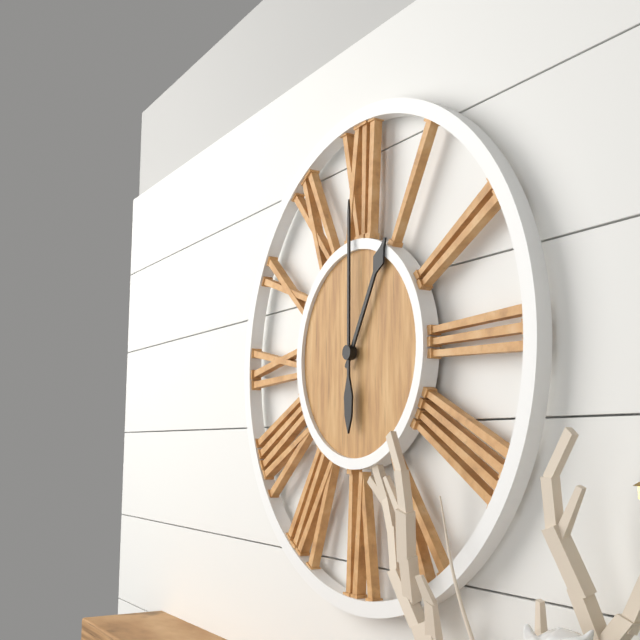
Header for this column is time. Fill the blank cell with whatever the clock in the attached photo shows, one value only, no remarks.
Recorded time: 1:00
